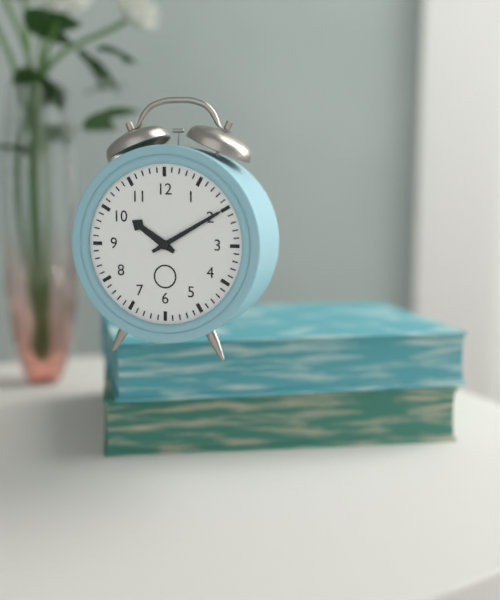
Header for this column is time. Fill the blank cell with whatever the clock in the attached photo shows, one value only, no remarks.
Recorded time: 10:10
